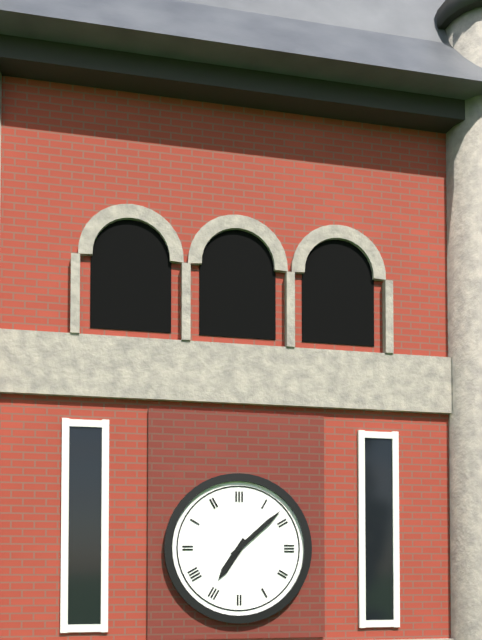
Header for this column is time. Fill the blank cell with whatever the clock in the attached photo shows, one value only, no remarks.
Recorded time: 7:08
